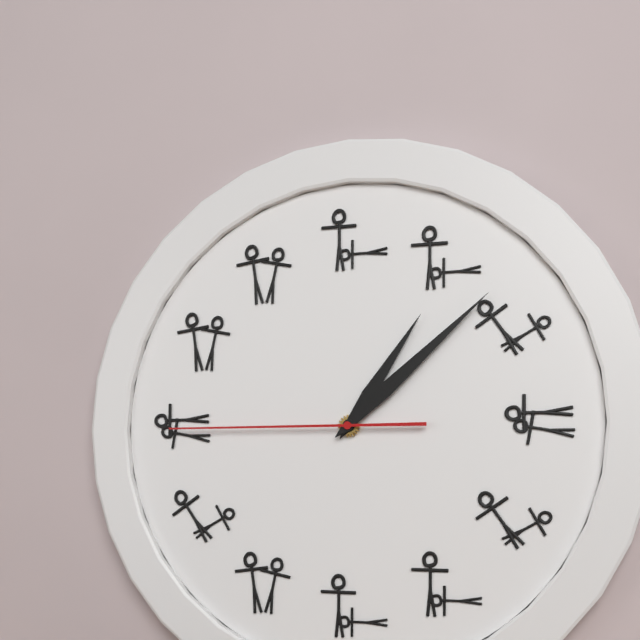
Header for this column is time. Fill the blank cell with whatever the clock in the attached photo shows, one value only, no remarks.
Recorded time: 1:08:45
